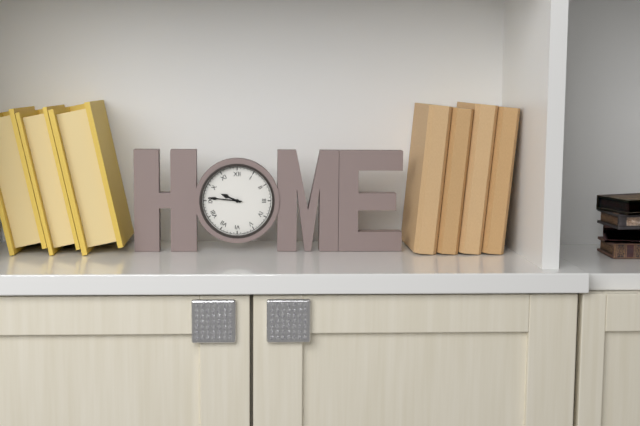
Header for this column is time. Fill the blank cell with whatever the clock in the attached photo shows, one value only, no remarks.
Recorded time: 9:46
